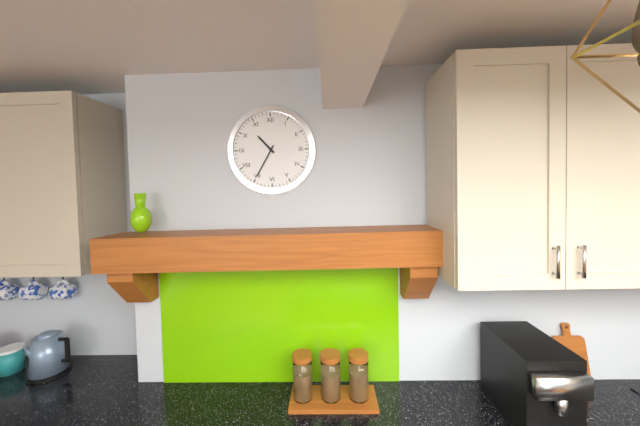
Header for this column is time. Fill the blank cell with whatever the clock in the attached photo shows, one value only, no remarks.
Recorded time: 10:35
